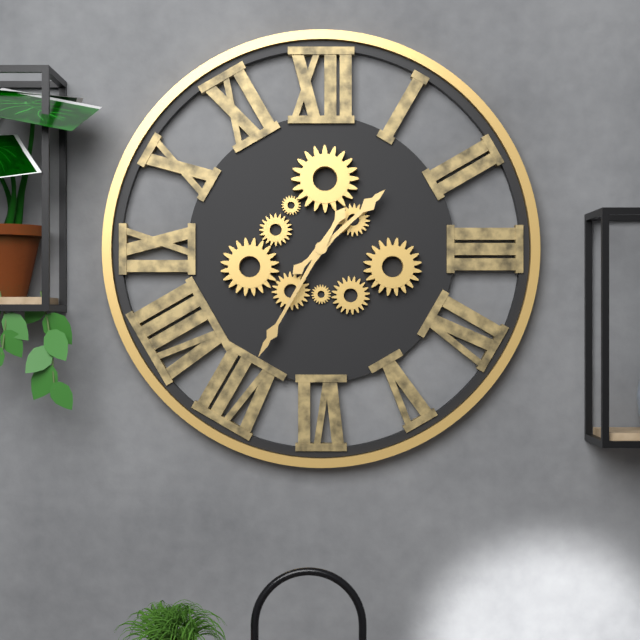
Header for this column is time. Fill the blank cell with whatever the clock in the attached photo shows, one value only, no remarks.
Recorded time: 1:35
